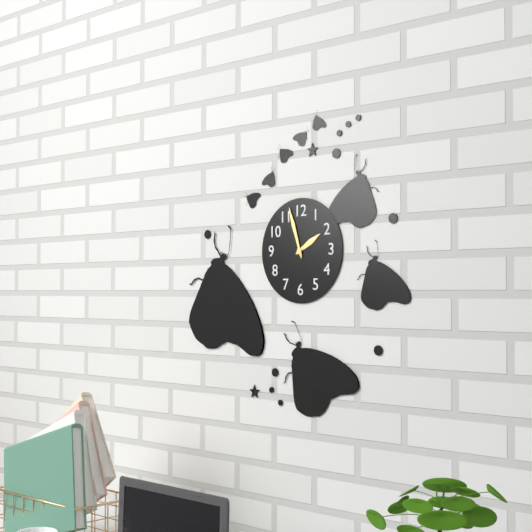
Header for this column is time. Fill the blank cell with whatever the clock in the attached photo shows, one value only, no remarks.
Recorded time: 1:57
